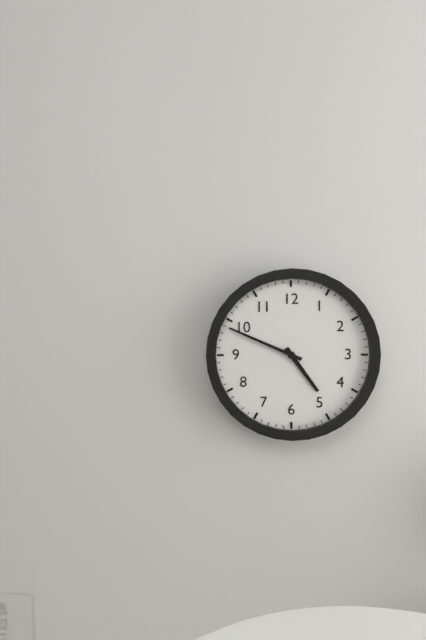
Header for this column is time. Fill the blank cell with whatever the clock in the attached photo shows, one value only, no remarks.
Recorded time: 4:49
